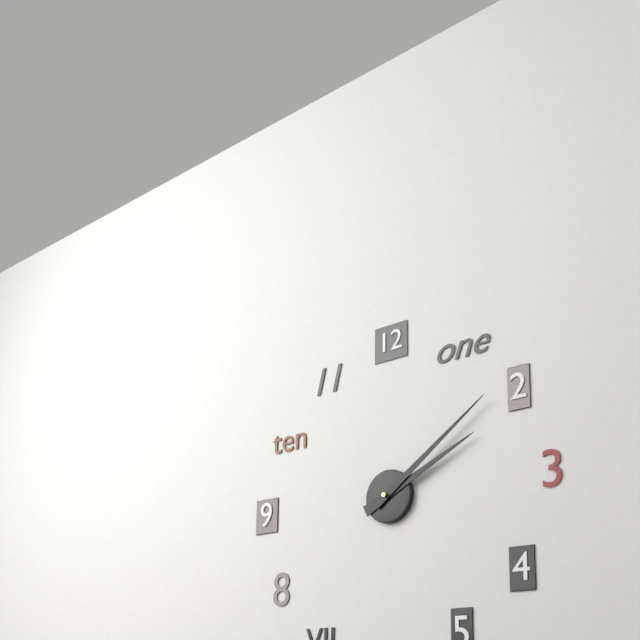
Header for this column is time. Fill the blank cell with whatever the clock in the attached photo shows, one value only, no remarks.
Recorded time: 2:09
